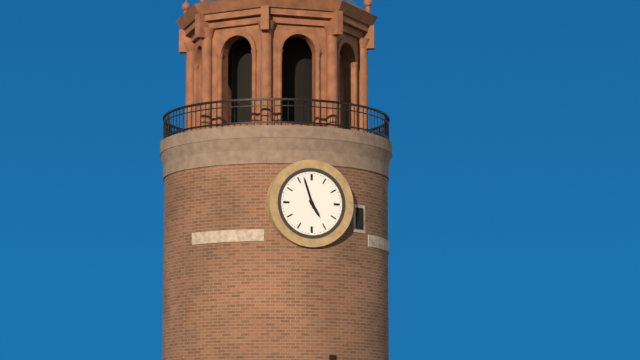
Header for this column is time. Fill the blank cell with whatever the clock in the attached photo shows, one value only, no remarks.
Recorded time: 4:57
